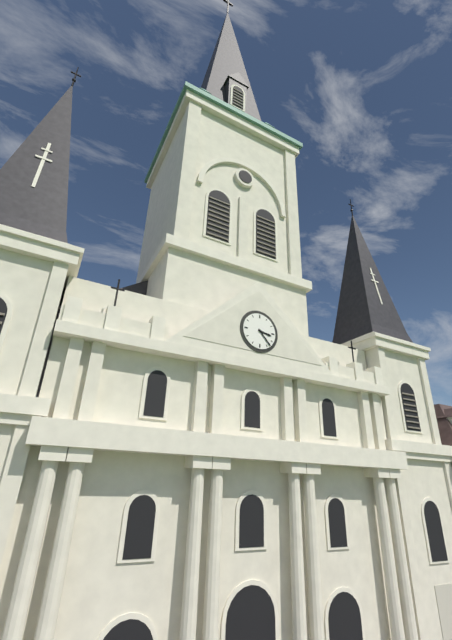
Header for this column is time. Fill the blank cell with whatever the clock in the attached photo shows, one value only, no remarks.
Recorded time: 3:23
